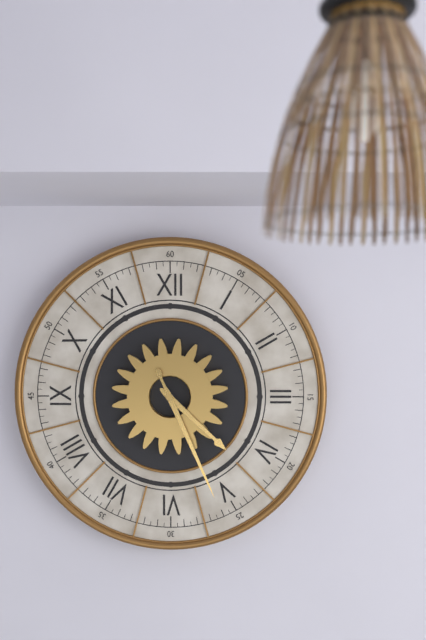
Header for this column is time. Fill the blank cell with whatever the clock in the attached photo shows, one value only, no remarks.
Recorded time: 4:26
